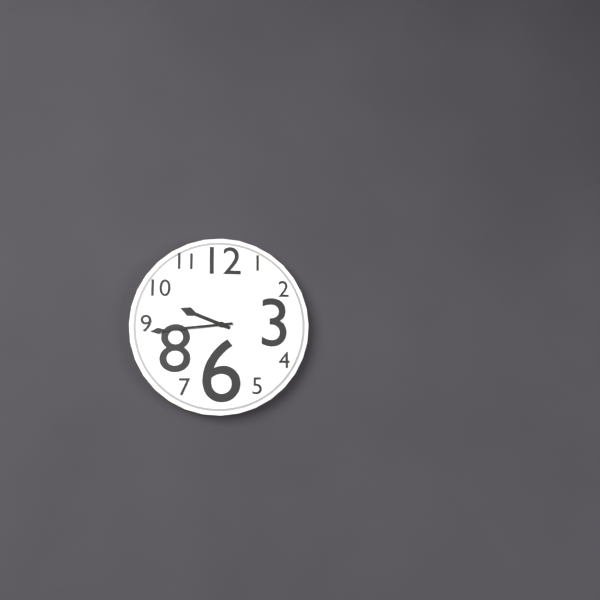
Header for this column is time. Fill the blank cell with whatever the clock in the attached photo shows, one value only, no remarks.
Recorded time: 9:44
